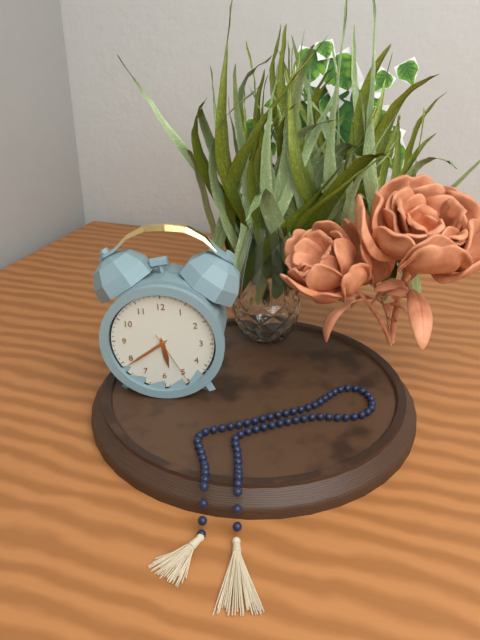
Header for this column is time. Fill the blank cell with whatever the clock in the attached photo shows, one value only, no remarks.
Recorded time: 5:39:25
